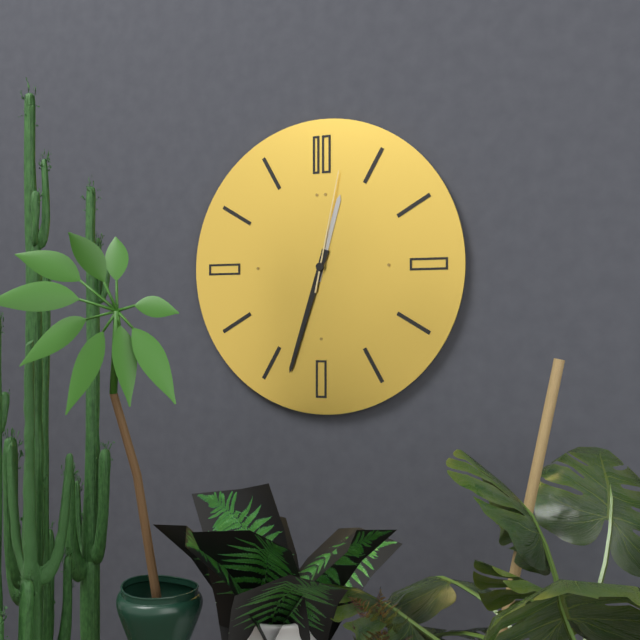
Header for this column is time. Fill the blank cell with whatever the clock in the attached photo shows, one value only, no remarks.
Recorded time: 12:33:02
